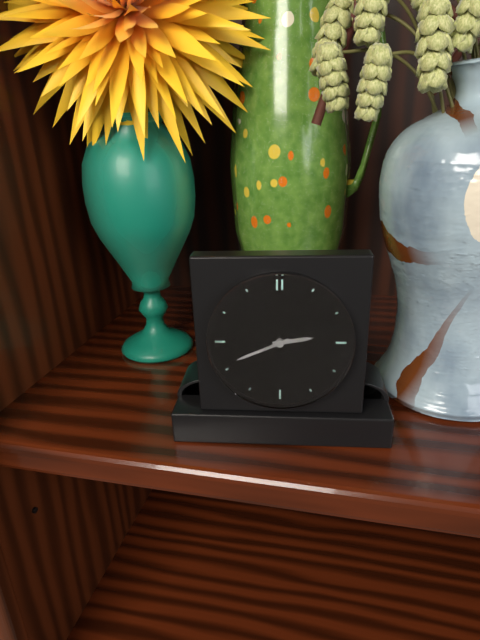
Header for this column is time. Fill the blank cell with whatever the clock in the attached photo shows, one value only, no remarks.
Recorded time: 2:41
